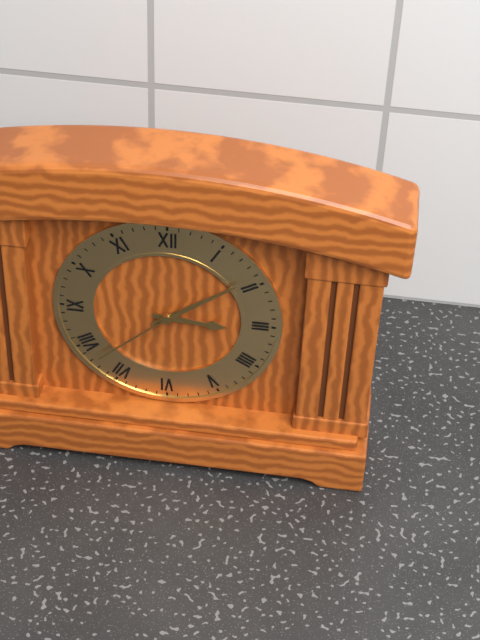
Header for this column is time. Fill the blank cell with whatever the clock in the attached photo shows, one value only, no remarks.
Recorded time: 3:09:38
